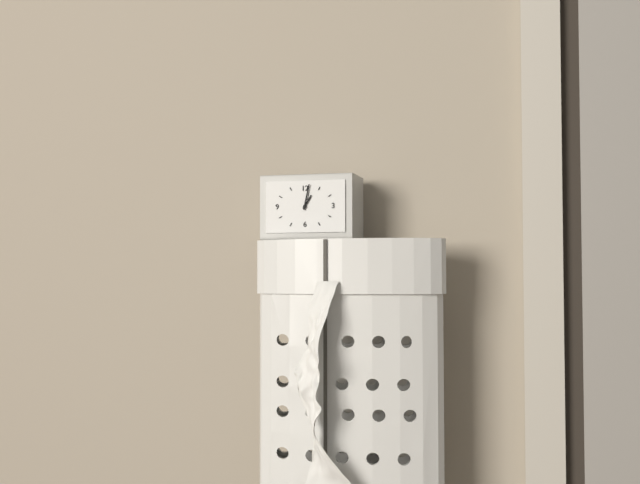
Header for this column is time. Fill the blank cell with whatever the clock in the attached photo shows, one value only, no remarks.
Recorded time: 1:02
